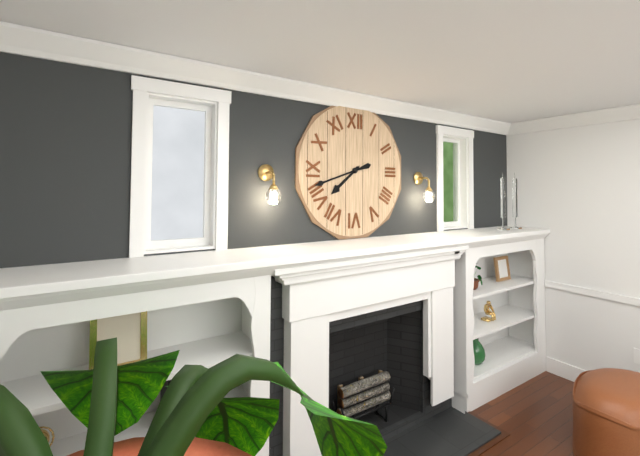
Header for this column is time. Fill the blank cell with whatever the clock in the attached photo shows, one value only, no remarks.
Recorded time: 7:42
